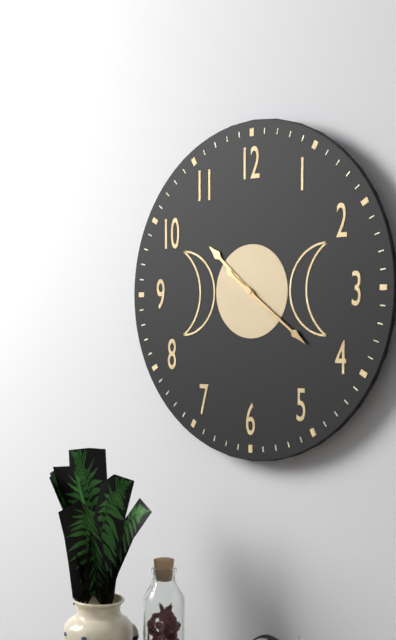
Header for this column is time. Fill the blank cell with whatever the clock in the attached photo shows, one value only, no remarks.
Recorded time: 10:21
